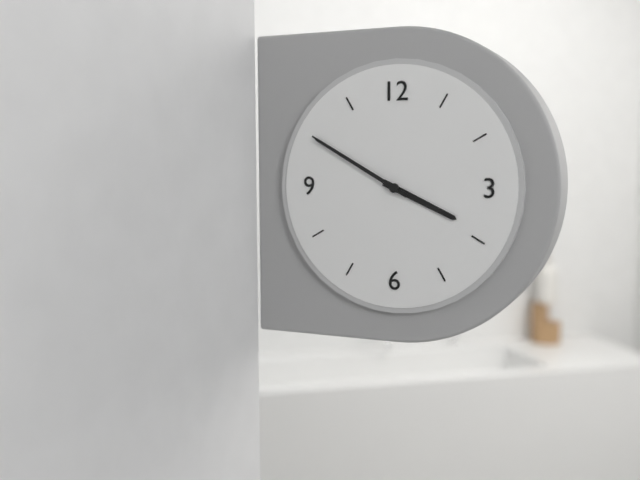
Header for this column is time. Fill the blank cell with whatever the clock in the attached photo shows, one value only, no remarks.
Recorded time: 3:50
